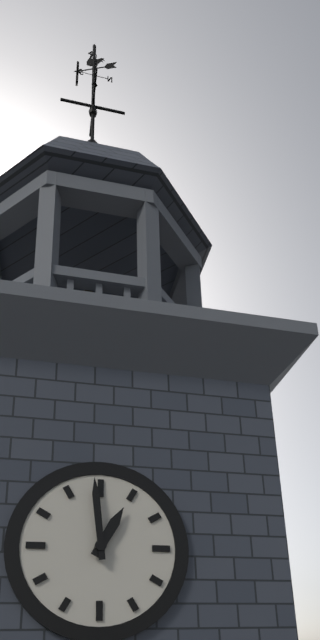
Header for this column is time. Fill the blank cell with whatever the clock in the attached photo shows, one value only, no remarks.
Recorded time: 12:59
